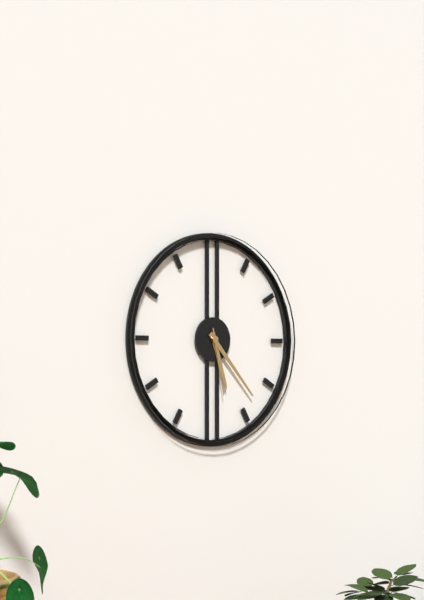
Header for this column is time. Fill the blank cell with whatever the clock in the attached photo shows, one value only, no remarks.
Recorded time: 5:23:28
